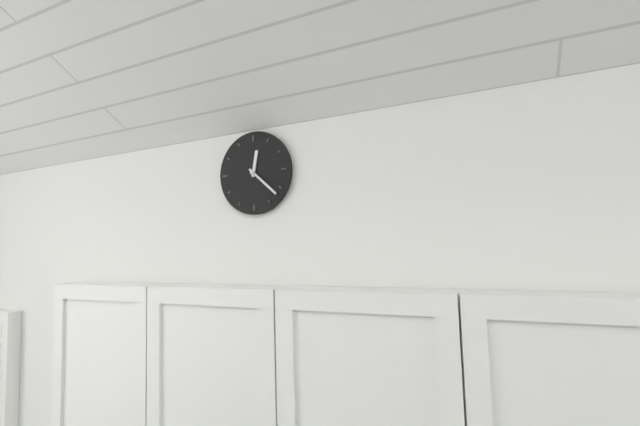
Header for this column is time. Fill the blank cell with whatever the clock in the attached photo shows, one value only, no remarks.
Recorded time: 12:22
